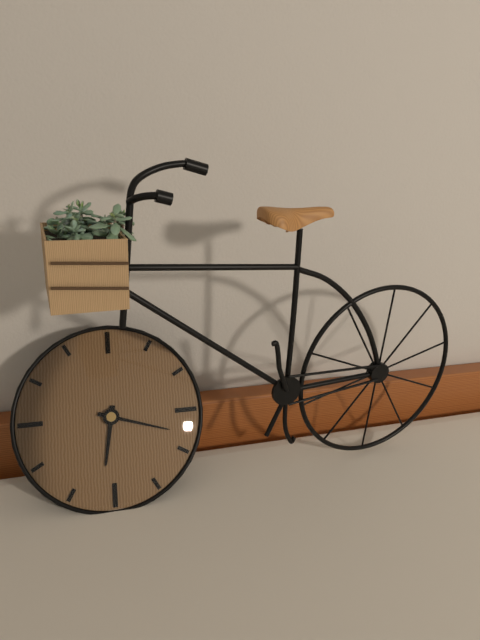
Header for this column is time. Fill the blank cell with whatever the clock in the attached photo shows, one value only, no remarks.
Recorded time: 6:18
